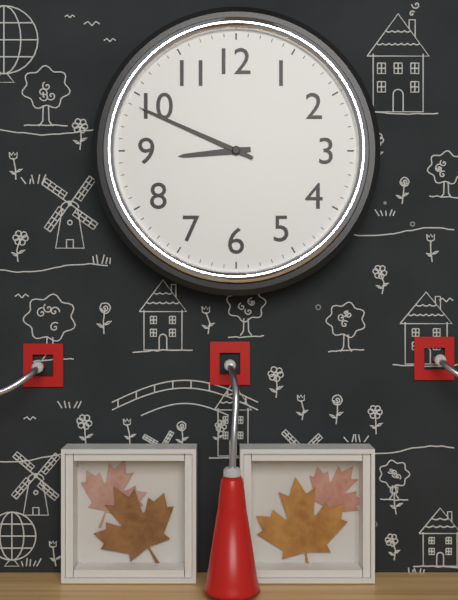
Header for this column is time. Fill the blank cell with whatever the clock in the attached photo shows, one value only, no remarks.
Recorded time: 8:49
